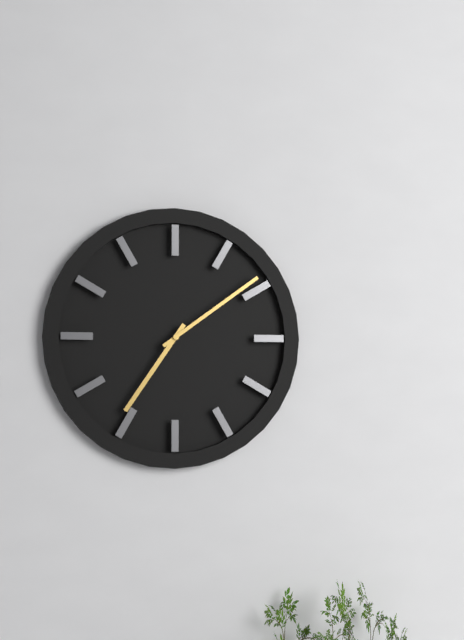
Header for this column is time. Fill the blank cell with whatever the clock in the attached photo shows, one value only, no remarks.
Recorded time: 7:09
